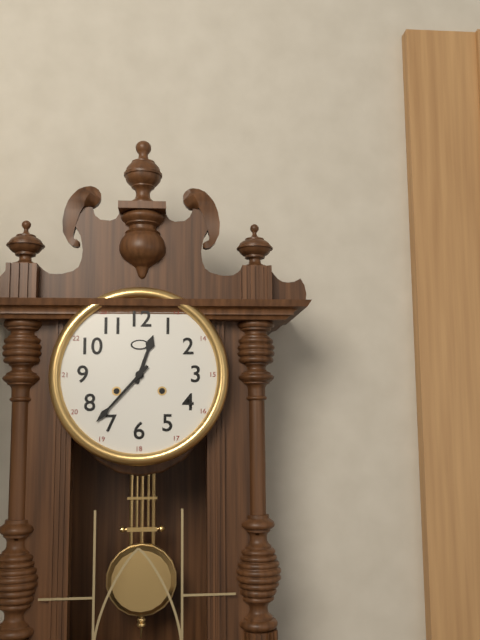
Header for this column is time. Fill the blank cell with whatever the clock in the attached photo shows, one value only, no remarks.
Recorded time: 12:37
